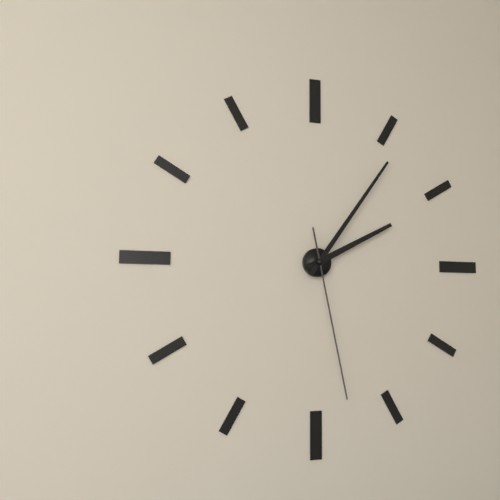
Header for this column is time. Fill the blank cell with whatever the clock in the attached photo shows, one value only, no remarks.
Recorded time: 2:06:28
